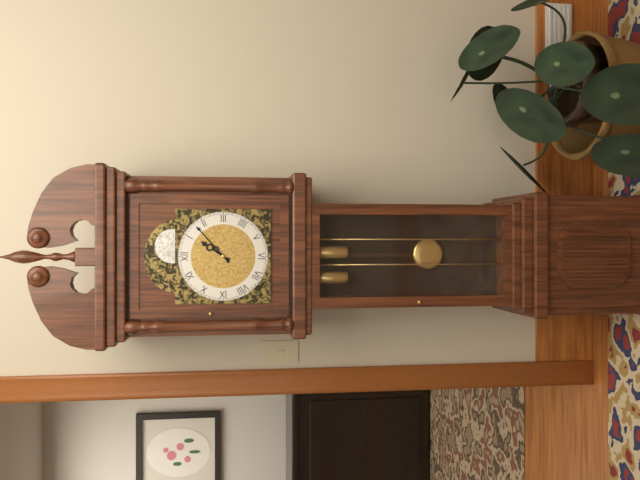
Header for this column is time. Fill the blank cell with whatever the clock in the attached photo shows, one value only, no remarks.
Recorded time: 1:08
